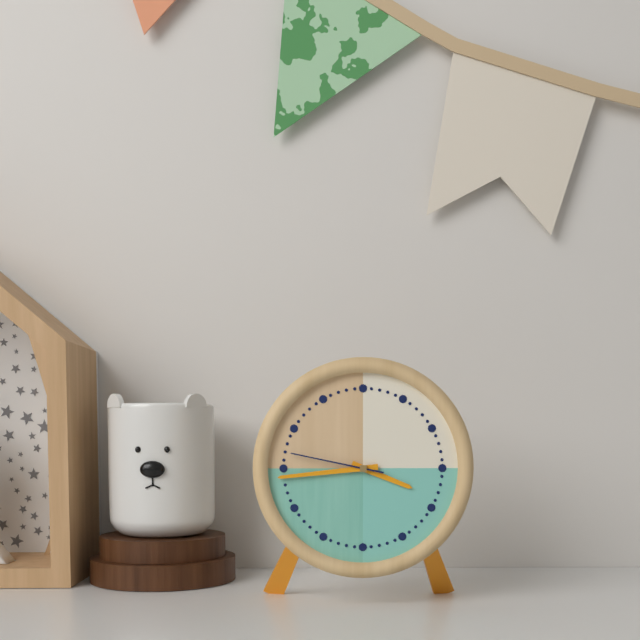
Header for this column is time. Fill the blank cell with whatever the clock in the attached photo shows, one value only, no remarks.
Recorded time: 3:44:47
